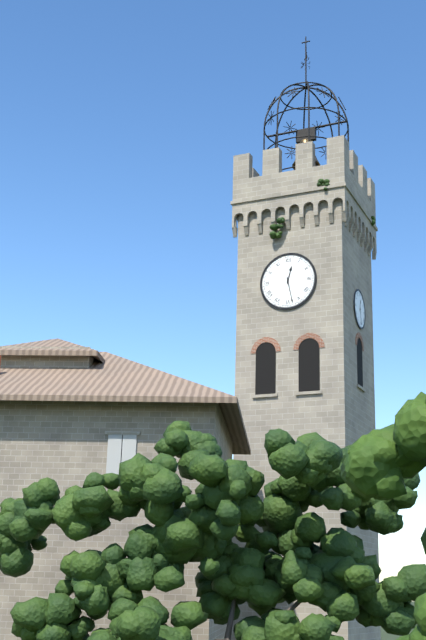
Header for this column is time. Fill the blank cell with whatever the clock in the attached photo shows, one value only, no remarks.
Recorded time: 12:28
